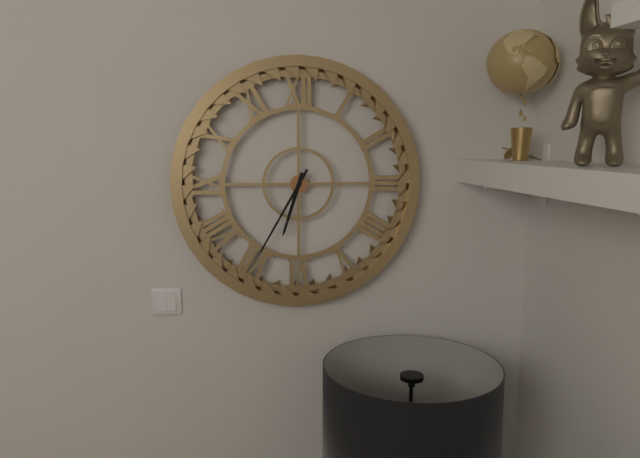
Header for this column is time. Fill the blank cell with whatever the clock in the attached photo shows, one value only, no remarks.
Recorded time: 6:35
